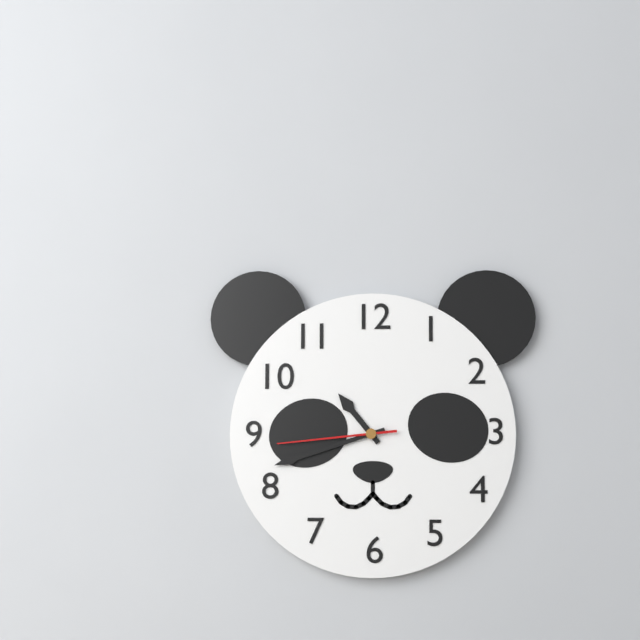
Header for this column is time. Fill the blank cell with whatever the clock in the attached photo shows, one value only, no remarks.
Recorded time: 10:42:44
